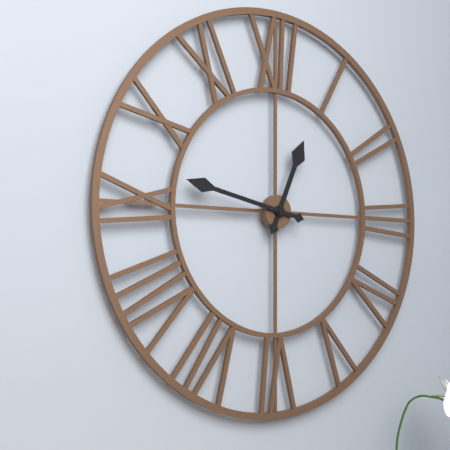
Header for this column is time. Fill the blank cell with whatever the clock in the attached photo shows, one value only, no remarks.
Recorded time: 12:47
